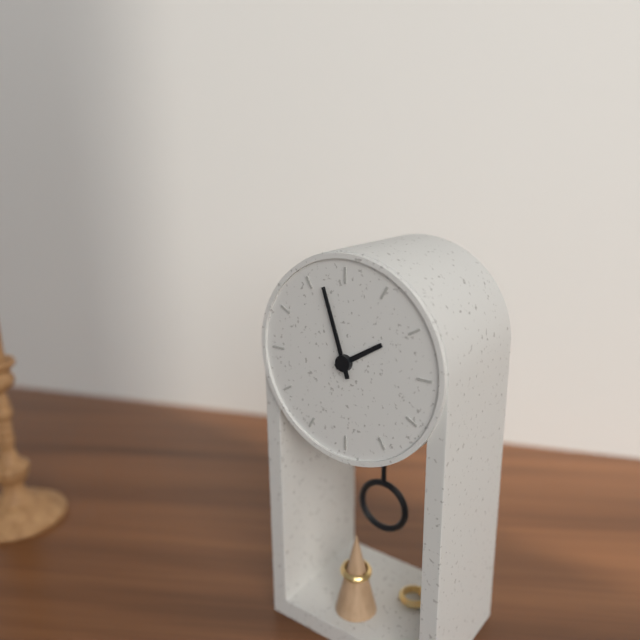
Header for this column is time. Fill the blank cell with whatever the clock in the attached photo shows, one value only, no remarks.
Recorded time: 1:57
